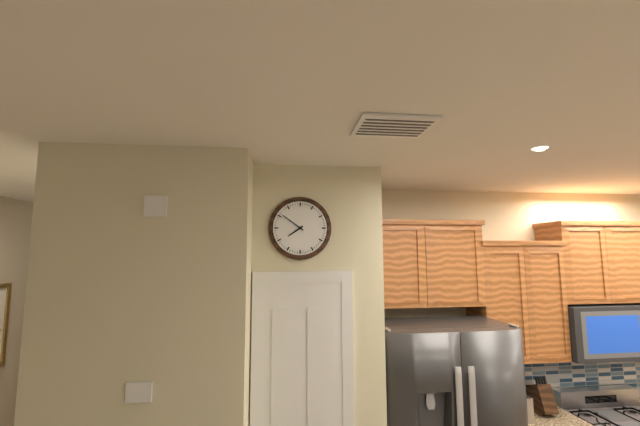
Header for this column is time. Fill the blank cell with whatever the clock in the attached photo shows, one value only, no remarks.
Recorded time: 7:51
